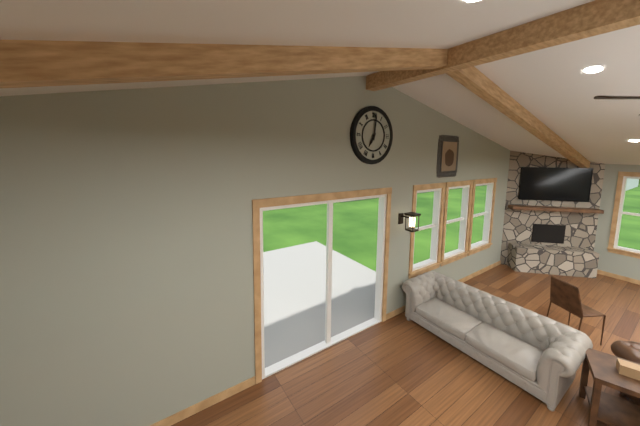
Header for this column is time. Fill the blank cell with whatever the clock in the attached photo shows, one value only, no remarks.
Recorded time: 7:01
